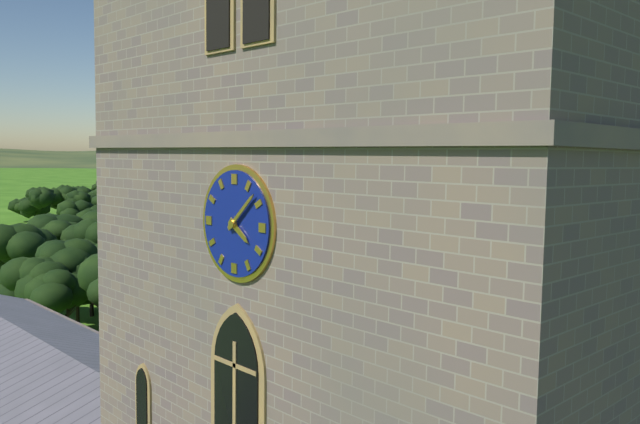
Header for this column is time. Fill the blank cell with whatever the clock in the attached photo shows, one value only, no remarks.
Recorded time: 4:08
